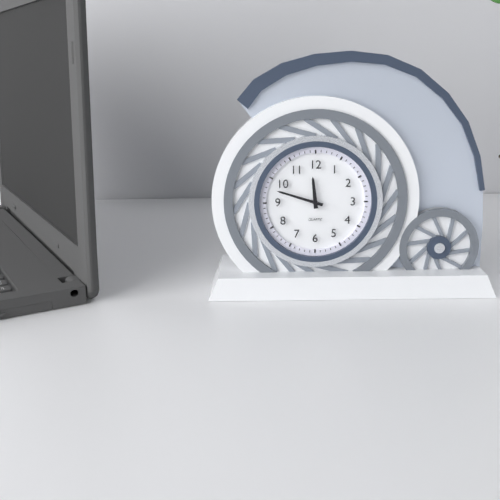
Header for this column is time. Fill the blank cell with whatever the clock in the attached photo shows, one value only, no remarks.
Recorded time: 11:48
